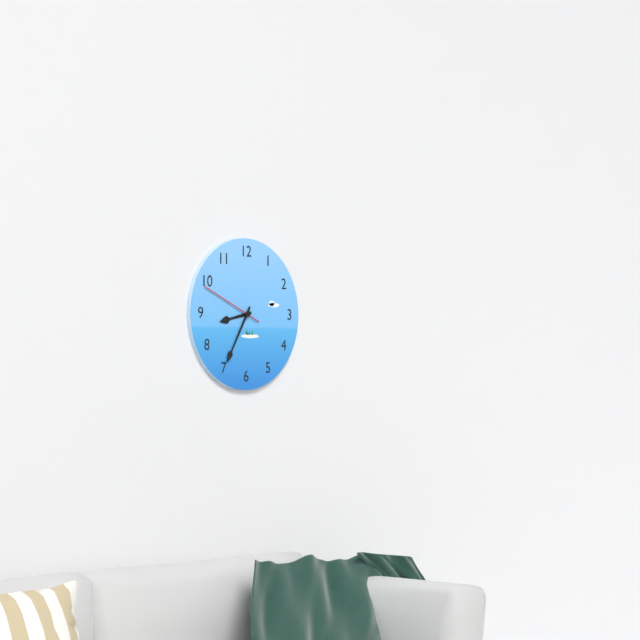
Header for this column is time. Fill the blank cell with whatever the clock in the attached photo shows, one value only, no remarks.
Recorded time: 8:35:49
